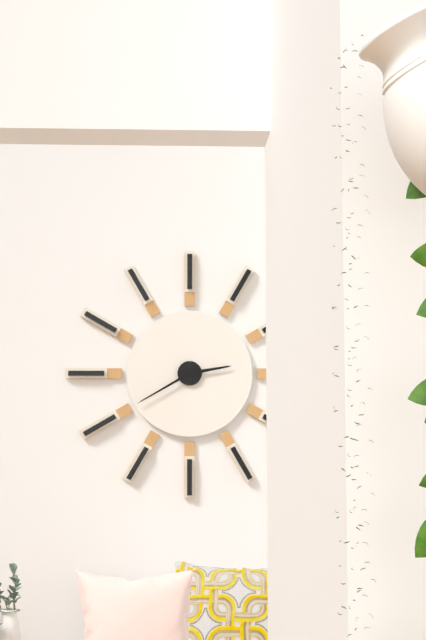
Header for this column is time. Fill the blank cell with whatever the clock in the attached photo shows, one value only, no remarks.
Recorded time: 2:40
